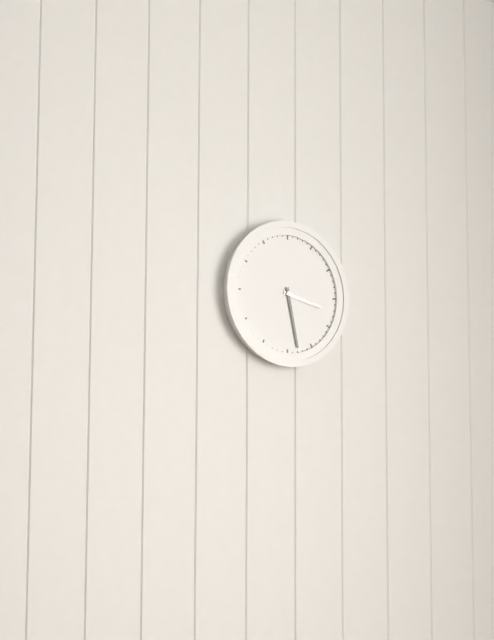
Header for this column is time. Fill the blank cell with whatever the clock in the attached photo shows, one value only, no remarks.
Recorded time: 3:28
